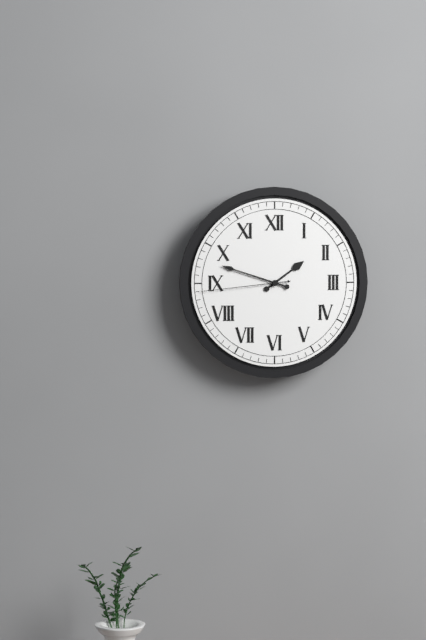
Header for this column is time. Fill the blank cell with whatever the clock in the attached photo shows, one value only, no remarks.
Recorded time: 1:48:44
